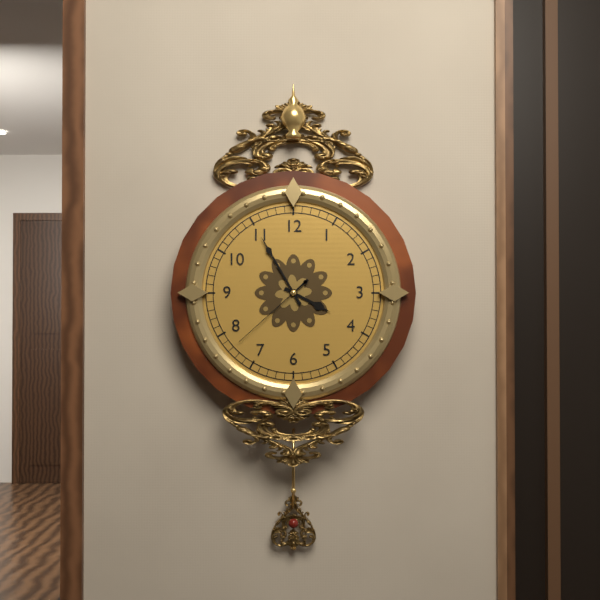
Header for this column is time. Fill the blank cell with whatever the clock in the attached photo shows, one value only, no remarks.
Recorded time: 3:55:38
